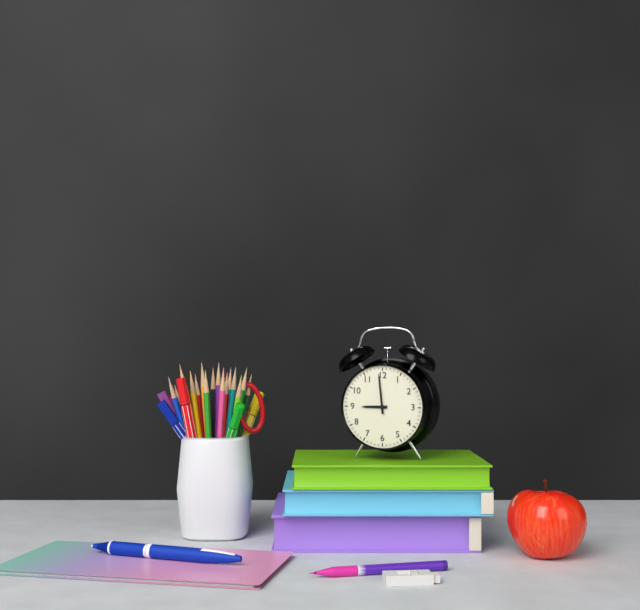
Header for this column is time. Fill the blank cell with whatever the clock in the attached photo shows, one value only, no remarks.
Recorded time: 8:59
